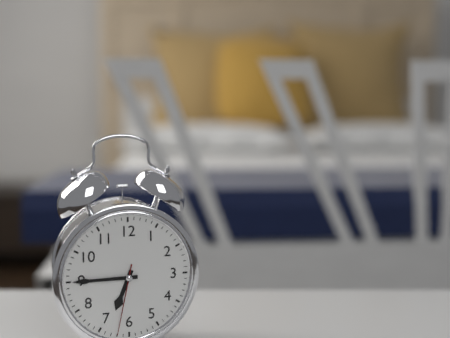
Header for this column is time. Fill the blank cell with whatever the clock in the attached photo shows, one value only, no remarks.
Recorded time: 6:45:32
